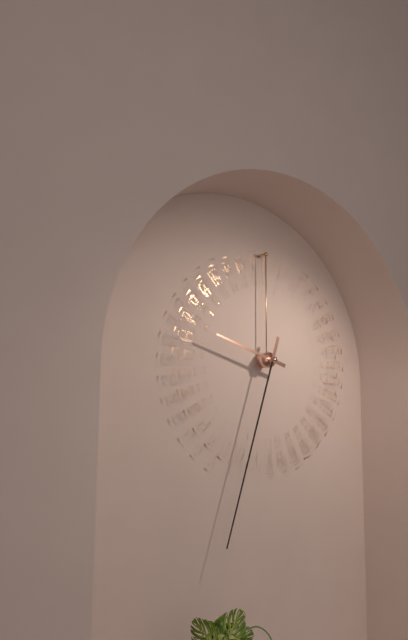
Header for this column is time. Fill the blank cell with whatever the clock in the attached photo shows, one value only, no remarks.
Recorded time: 9:33
